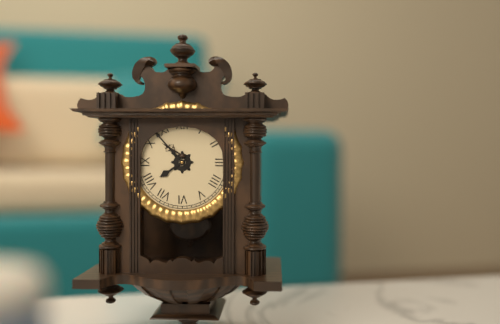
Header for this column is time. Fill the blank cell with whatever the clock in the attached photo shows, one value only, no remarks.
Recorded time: 7:53
